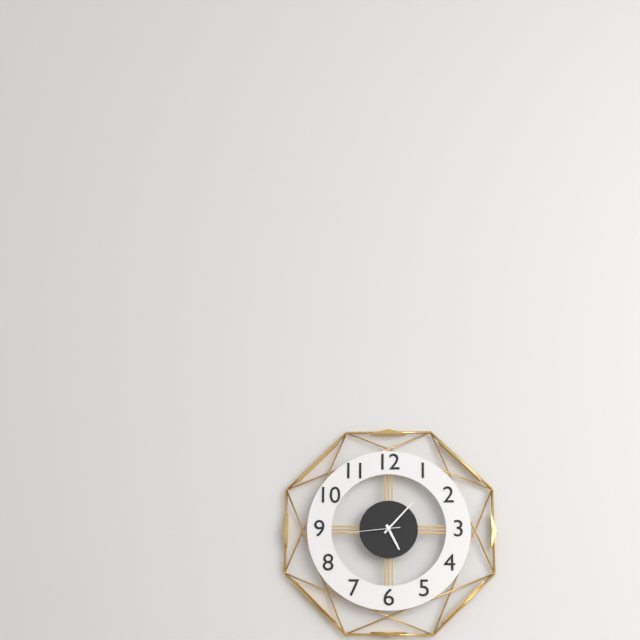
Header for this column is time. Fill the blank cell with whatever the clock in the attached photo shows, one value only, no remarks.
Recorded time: 5:07:44
